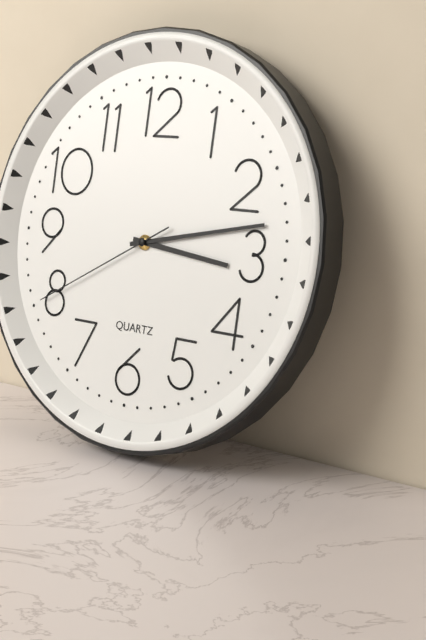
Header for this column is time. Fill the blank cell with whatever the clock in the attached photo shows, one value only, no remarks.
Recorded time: 3:13:40
